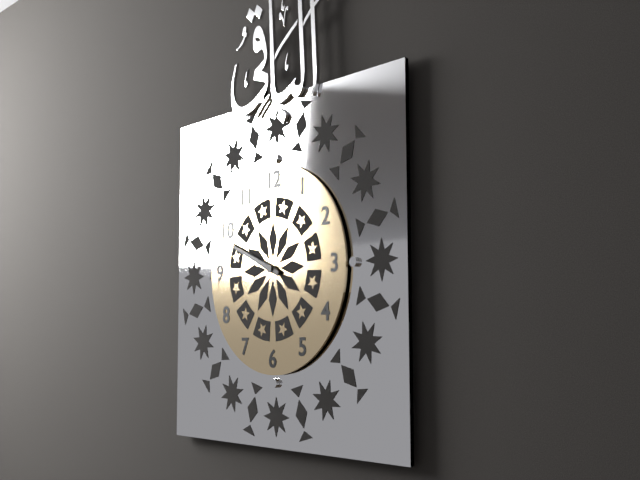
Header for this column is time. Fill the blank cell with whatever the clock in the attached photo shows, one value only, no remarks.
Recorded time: 9:49
